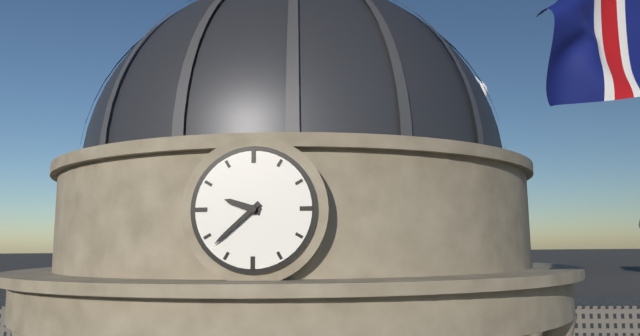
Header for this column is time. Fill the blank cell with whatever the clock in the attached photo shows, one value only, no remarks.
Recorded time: 9:38
